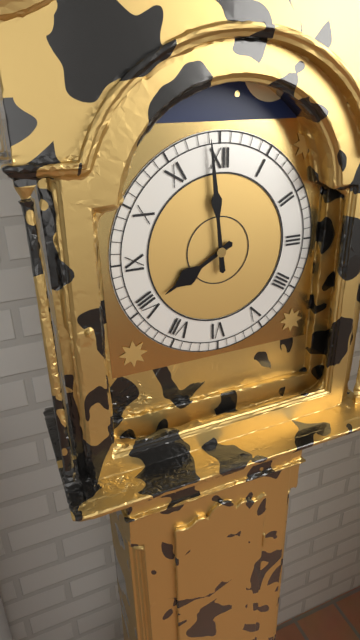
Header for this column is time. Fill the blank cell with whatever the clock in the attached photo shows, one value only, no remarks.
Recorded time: 7:59
